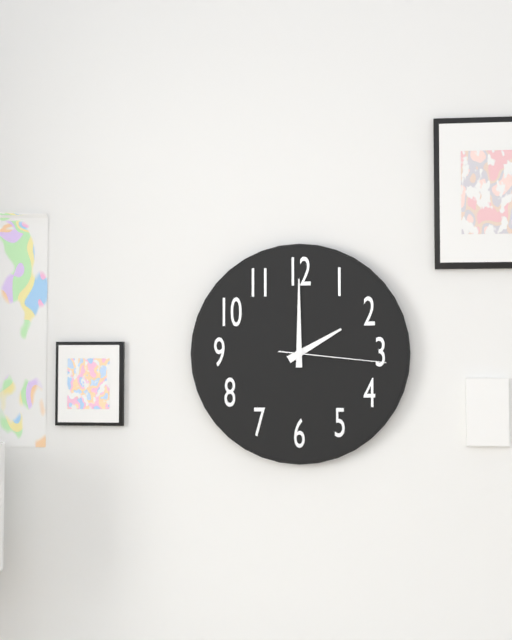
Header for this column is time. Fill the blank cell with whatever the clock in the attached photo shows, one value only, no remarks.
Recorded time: 2:00:16
